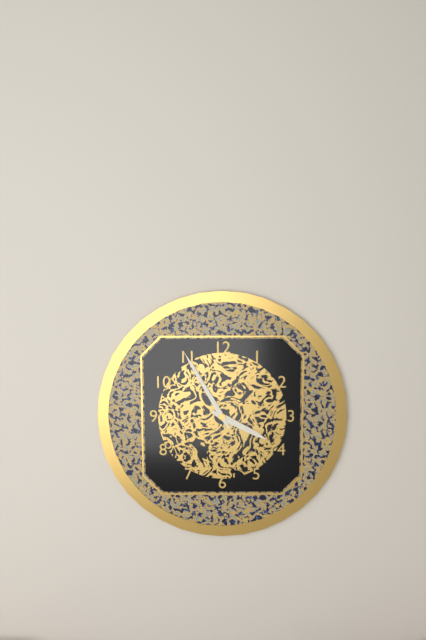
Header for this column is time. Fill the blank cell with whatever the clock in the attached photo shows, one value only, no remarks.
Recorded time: 3:55
